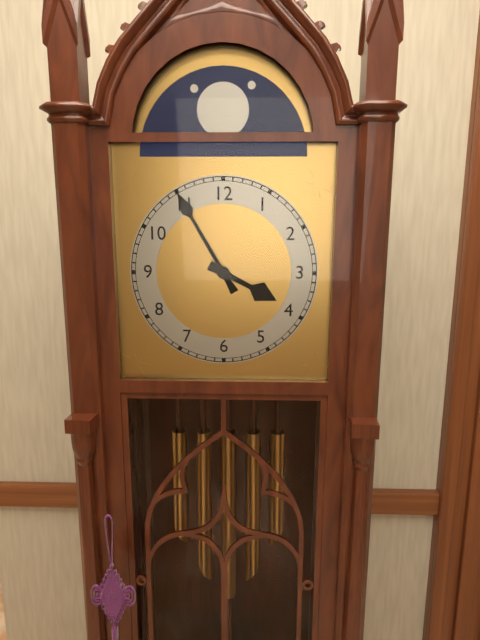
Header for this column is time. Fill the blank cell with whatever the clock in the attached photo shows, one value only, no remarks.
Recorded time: 3:55
